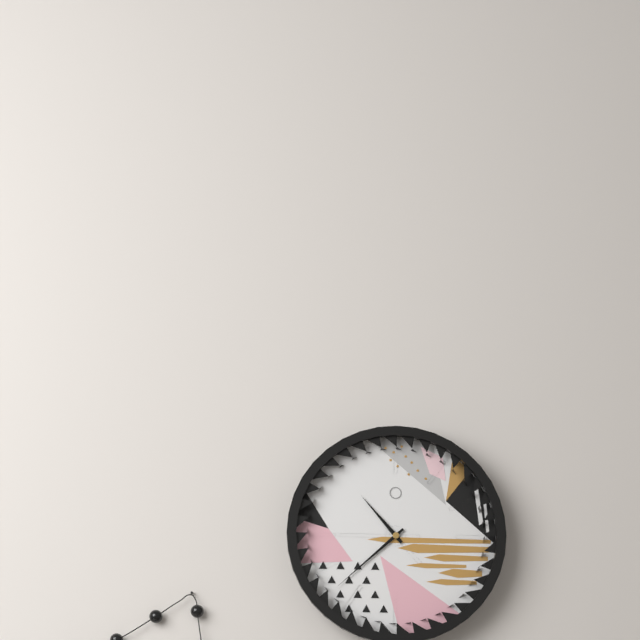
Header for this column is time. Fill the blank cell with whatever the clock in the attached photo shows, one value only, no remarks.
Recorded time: 10:38
